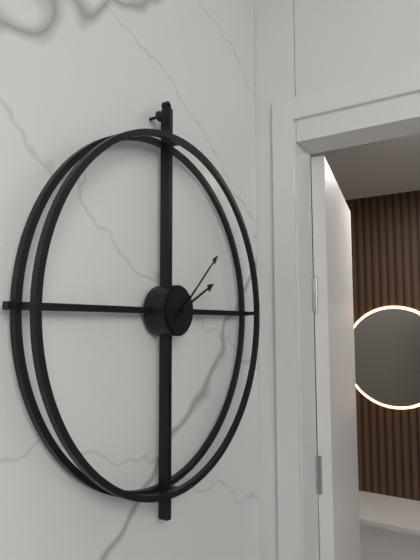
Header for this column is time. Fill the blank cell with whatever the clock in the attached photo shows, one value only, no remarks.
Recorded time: 2:08
